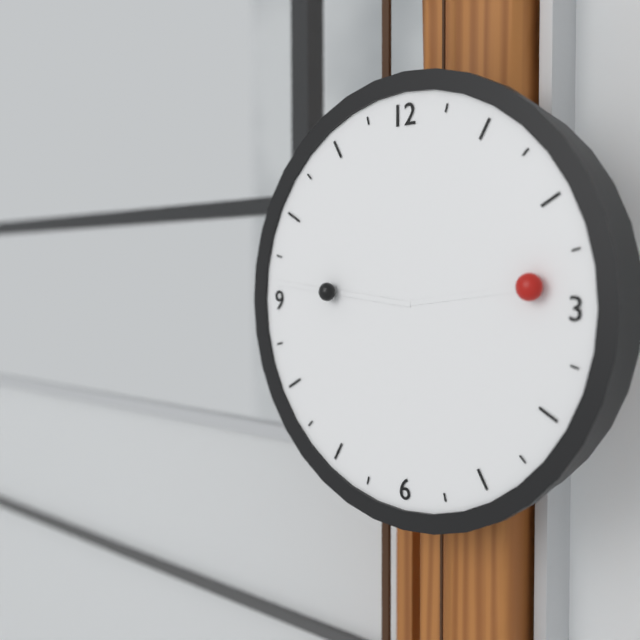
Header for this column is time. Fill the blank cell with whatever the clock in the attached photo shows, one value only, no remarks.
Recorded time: 2:46
